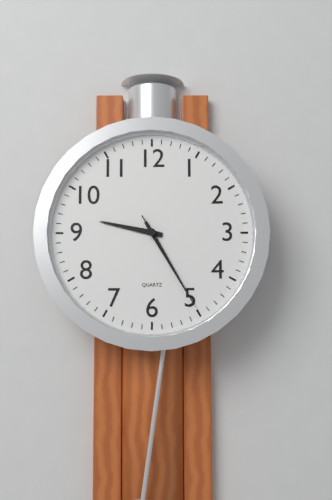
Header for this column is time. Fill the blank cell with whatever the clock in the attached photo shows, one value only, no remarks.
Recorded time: 9:25:25
